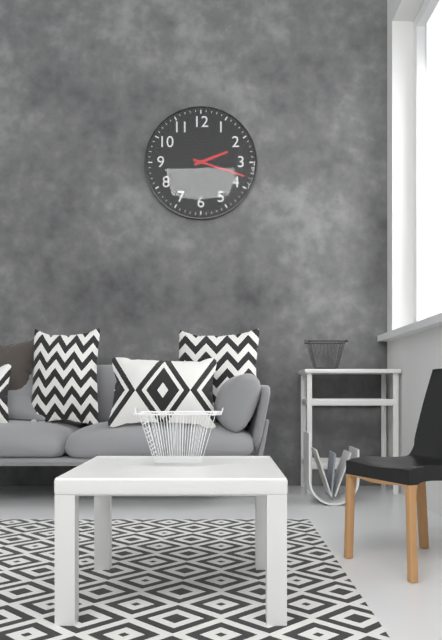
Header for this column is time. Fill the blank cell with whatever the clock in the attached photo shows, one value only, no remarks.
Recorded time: 2:18
